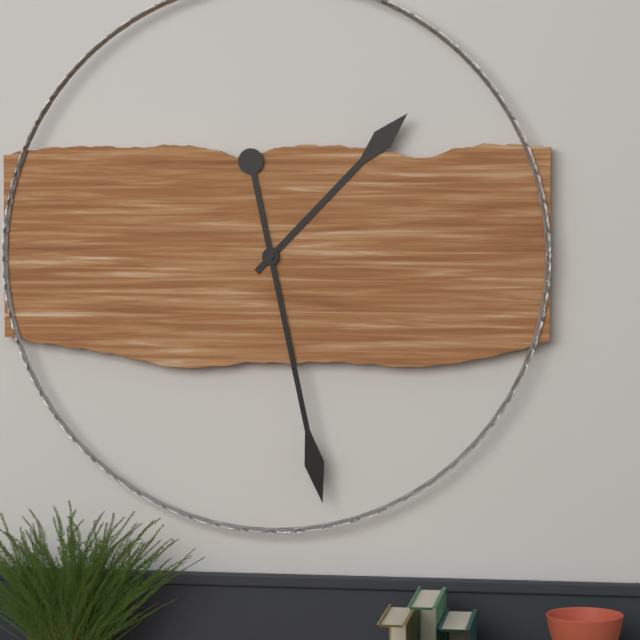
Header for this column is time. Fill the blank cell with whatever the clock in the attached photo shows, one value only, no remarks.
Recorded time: 1:28
